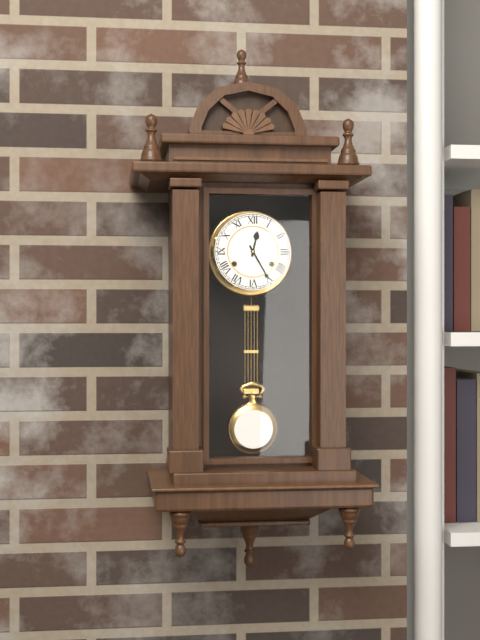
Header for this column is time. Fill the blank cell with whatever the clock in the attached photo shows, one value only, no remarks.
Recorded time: 12:25
